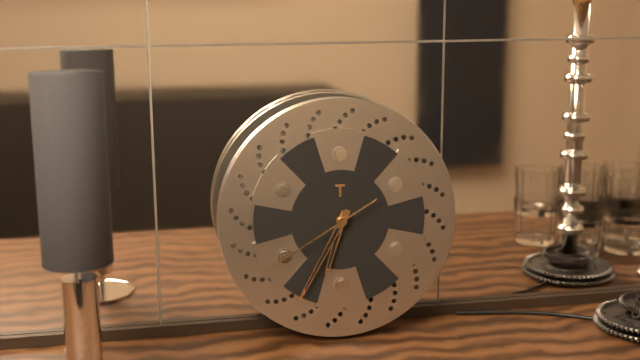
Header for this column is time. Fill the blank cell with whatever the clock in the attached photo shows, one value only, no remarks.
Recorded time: 6:35:40
